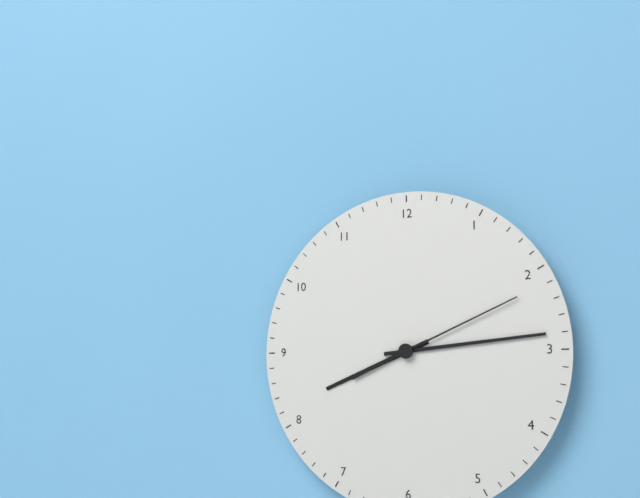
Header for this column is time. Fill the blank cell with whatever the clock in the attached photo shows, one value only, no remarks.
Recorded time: 8:14:11
